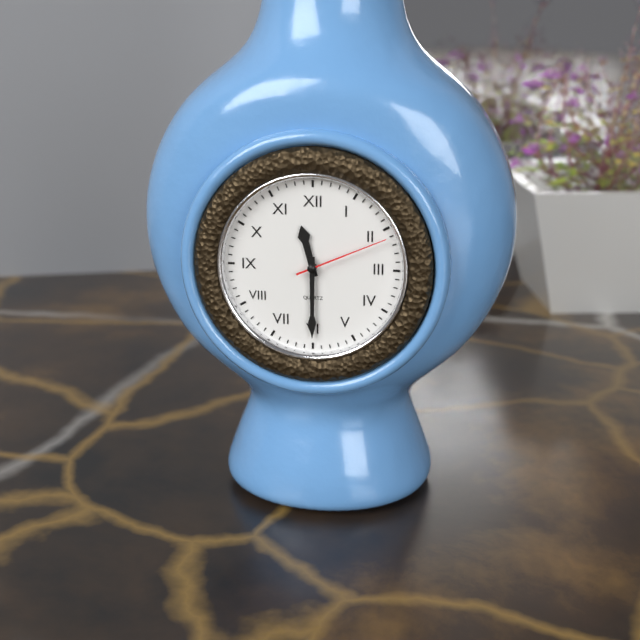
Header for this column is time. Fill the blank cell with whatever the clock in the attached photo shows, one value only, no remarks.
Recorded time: 11:30:11
